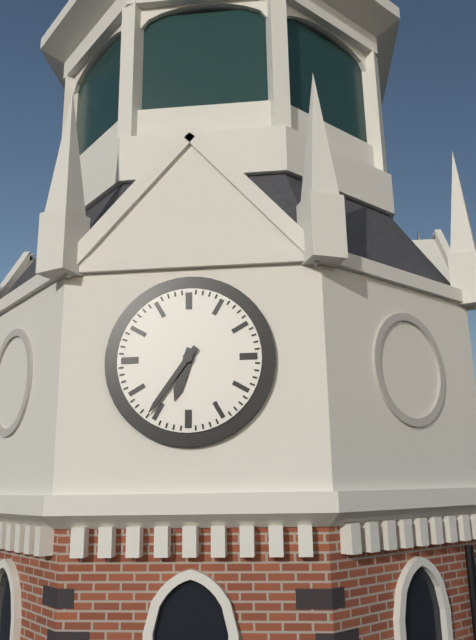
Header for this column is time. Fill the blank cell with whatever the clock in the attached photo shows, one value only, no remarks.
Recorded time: 6:36
